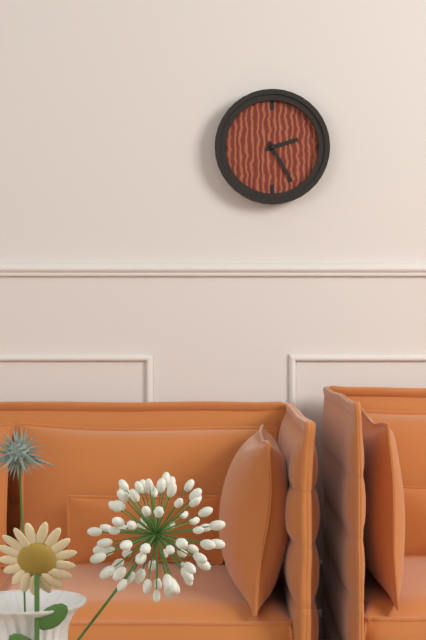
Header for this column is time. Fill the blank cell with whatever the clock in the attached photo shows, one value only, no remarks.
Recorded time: 2:25
